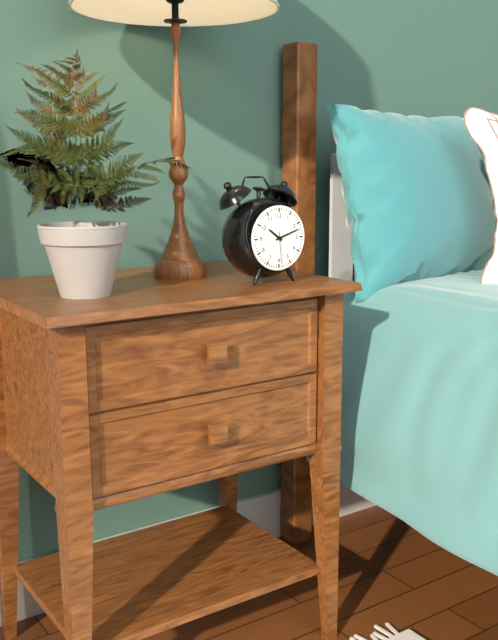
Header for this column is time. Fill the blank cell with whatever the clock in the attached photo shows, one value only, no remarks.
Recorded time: 10:12
